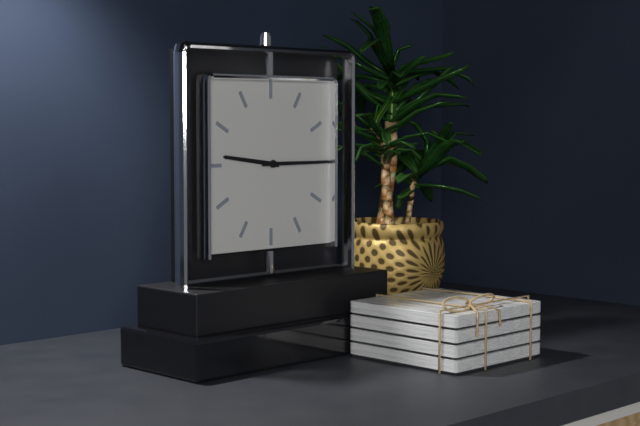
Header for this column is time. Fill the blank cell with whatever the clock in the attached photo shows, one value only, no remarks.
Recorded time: 9:15
